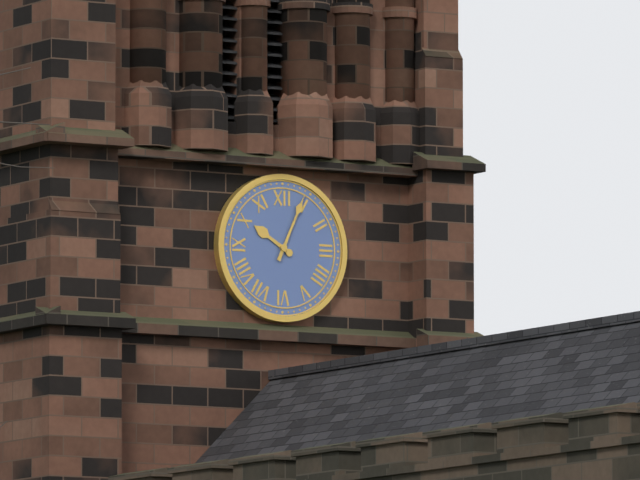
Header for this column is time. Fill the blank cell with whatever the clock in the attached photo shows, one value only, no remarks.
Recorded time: 10:04
